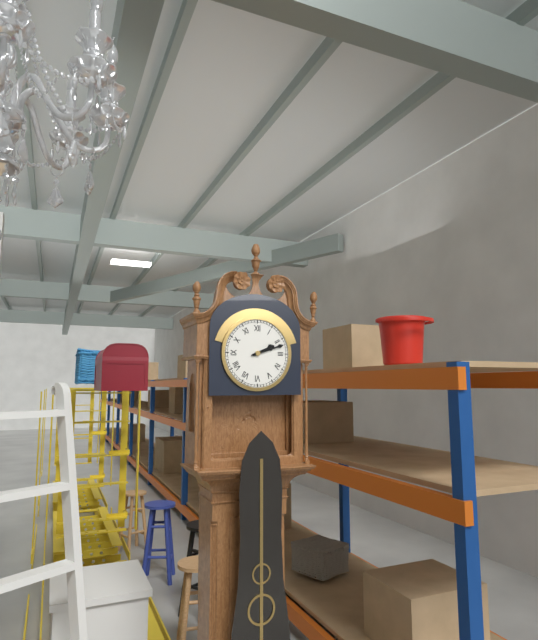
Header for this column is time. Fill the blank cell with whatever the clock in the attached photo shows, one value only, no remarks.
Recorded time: 2:12
